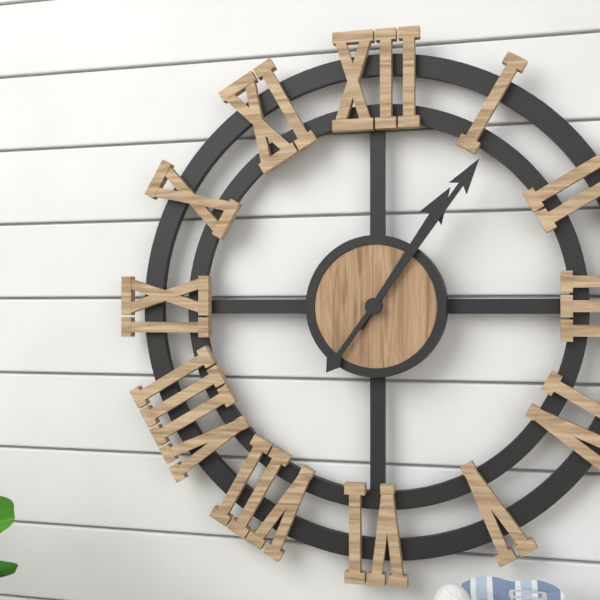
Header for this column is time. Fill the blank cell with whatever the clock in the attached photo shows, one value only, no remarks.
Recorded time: 1:06
